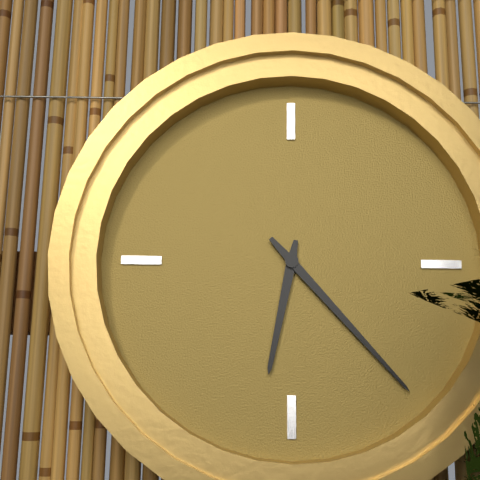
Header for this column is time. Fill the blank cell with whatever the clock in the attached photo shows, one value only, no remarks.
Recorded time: 6:23
